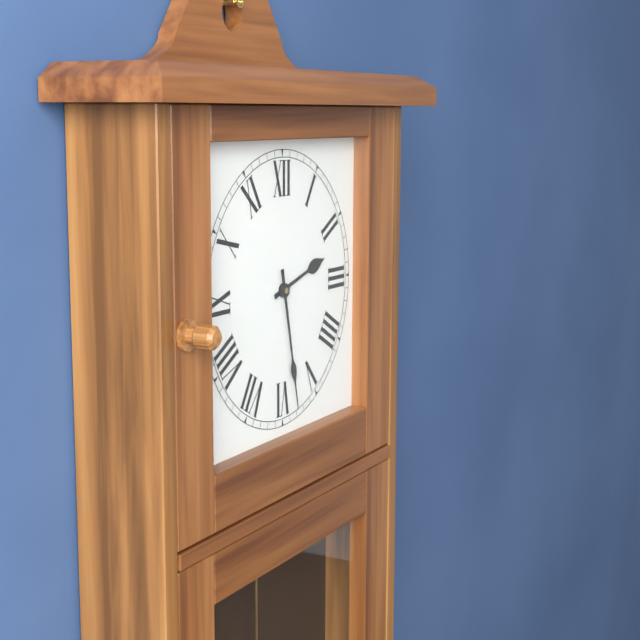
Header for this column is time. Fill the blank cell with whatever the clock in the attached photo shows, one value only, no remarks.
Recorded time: 2:28
